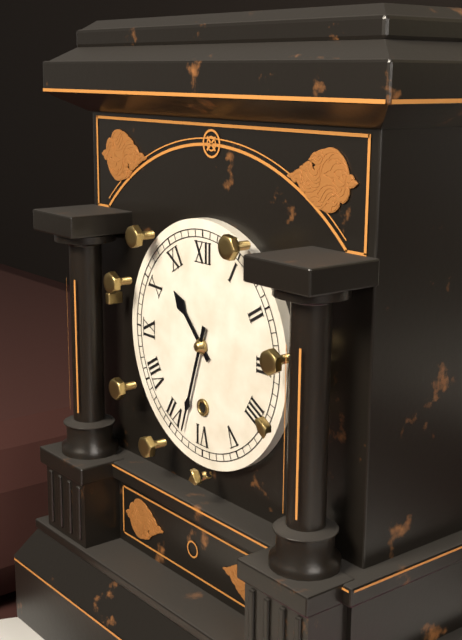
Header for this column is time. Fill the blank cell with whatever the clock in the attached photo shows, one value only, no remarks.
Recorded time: 10:33
